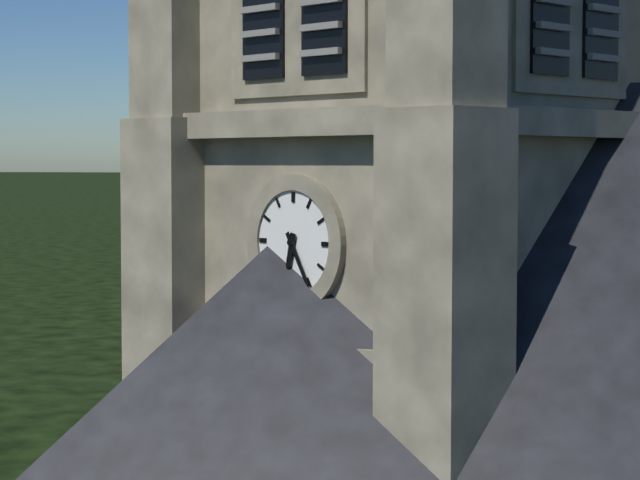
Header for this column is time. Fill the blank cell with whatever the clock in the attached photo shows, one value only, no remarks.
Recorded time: 6:25
